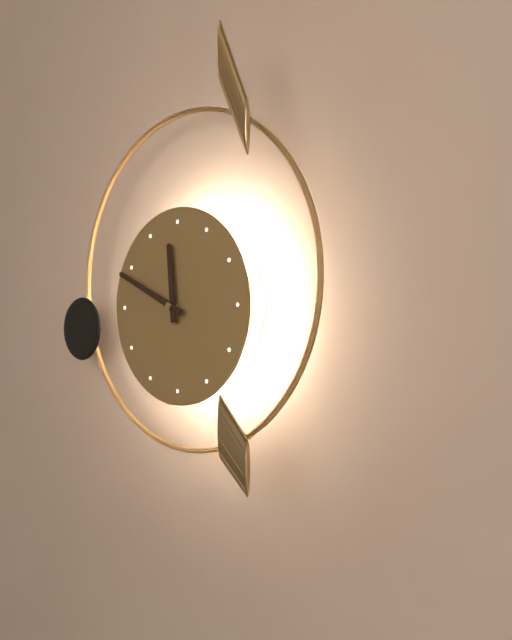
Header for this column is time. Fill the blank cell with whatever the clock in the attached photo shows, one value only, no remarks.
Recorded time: 11:49
